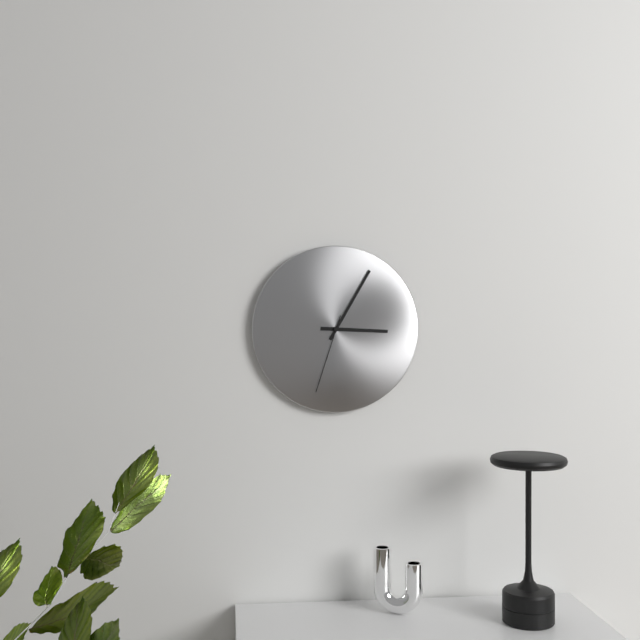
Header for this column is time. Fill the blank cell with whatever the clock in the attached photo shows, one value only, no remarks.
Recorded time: 3:05:33
